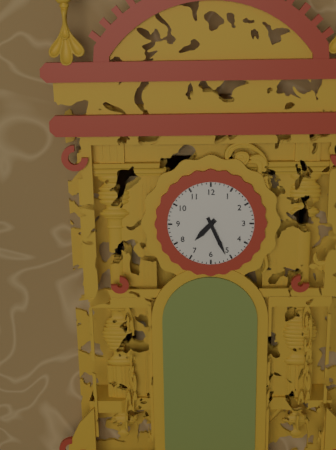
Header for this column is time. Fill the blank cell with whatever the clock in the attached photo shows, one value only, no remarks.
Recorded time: 7:26
